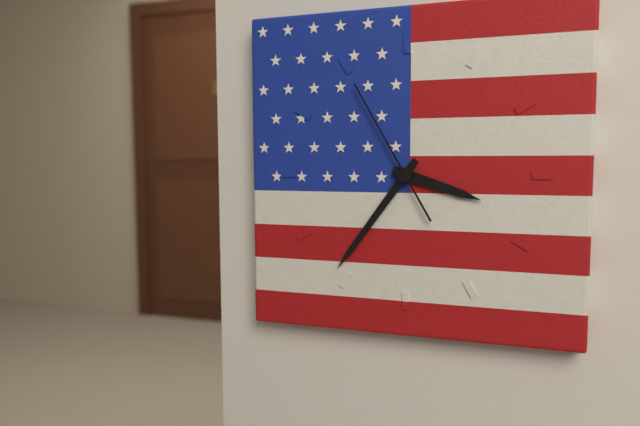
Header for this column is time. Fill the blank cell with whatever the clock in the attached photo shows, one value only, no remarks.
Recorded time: 3:36:55
